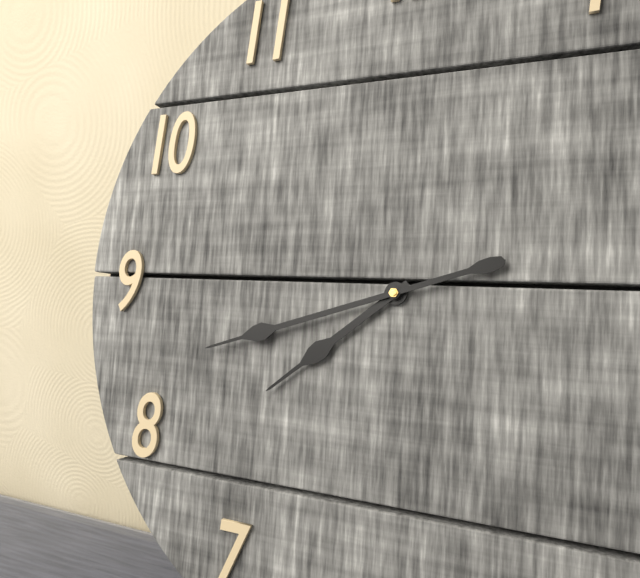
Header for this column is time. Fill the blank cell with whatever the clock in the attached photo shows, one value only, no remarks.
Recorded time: 7:42
